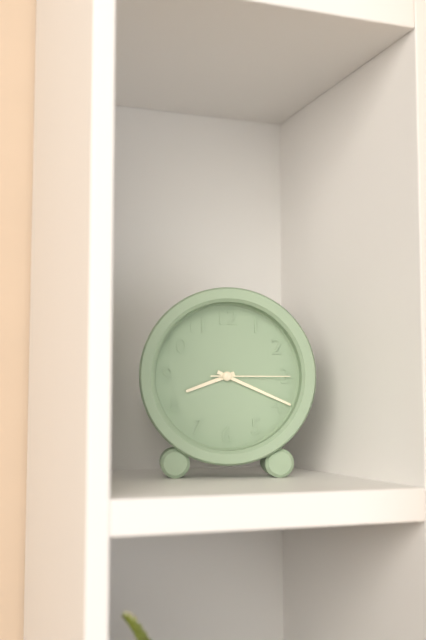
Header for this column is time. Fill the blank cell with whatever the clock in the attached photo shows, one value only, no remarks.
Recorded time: 8:19:15
